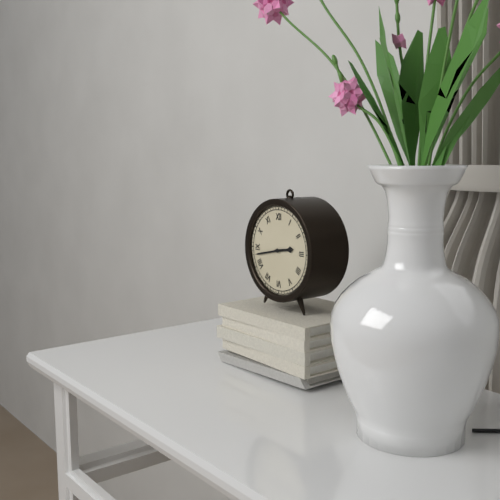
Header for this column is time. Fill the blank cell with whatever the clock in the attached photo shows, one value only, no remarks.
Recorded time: 2:43
